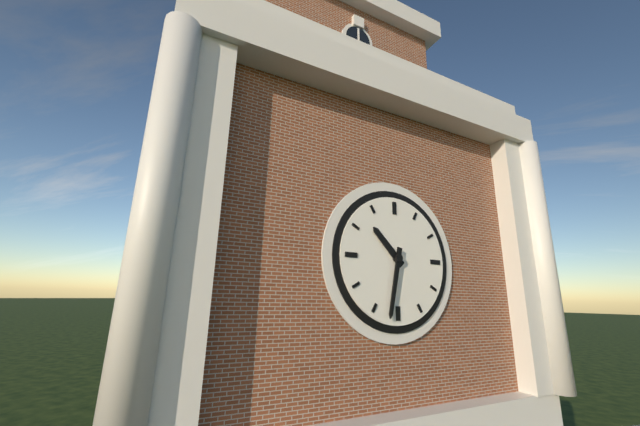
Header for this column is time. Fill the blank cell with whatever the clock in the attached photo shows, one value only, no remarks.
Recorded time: 10:32
